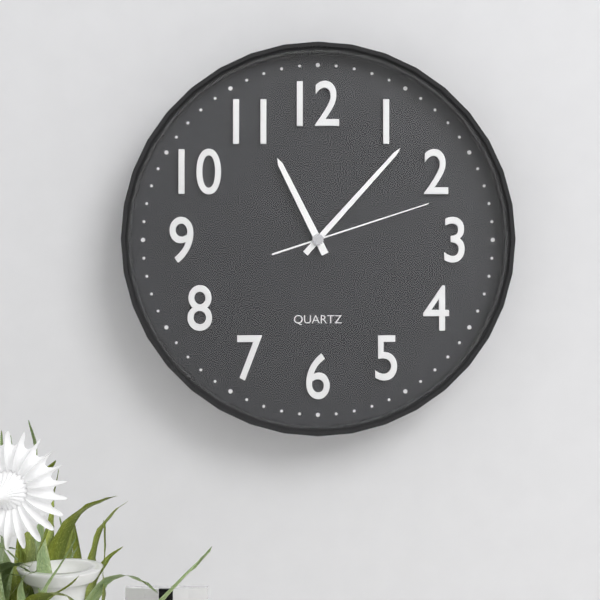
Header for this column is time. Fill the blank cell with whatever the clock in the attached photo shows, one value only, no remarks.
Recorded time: 11:07:12
